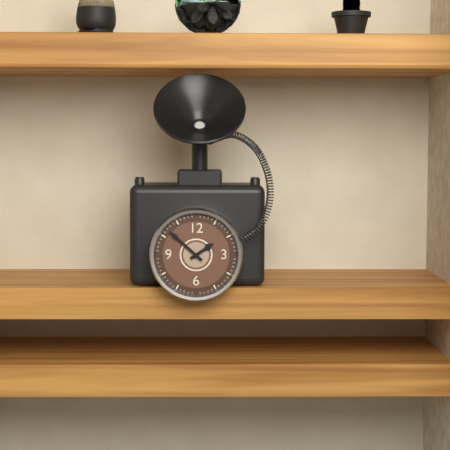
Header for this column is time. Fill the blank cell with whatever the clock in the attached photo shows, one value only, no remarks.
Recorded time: 1:52
